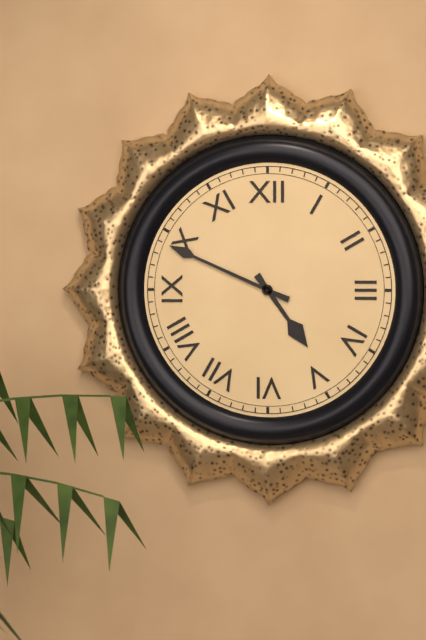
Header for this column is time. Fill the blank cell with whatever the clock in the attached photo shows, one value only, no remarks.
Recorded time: 4:49
